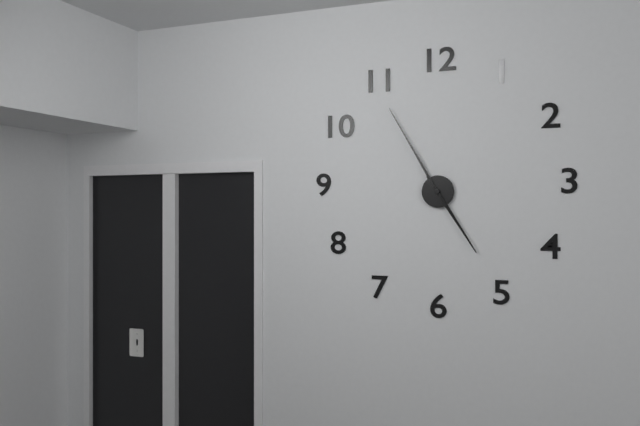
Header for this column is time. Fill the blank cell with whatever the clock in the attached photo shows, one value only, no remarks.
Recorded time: 4:55
